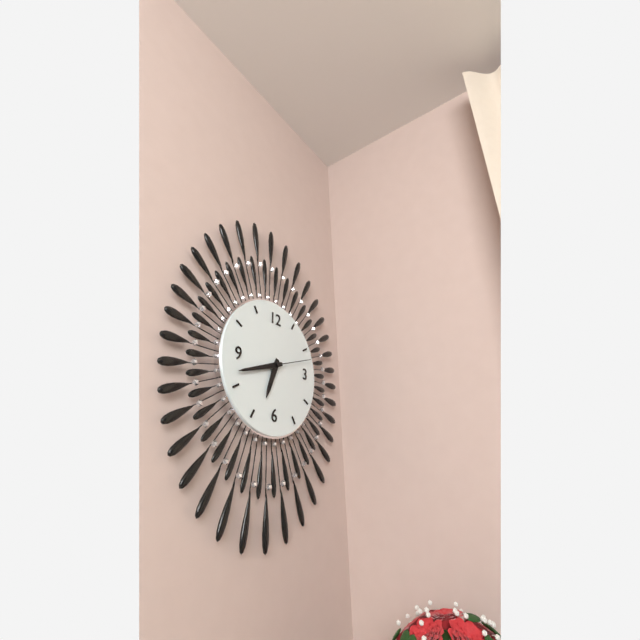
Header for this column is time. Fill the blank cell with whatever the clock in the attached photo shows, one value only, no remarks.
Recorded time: 6:42
